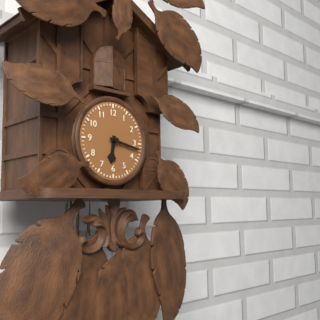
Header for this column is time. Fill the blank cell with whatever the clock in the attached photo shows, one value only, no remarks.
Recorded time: 6:17
